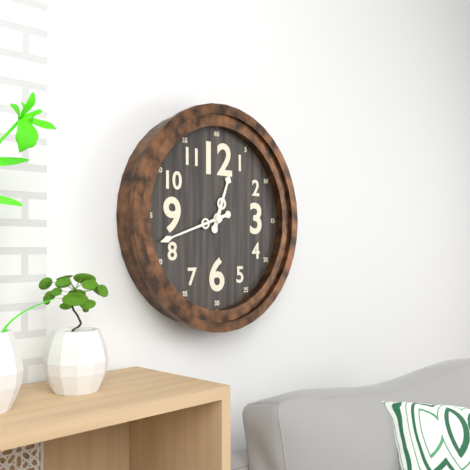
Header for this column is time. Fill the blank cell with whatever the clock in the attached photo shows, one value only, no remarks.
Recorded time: 12:42
